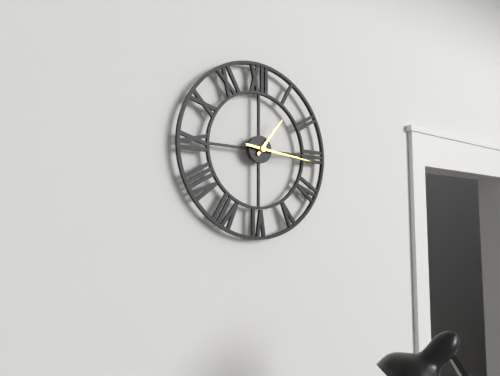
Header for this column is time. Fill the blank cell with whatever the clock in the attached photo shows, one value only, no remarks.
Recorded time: 1:16
